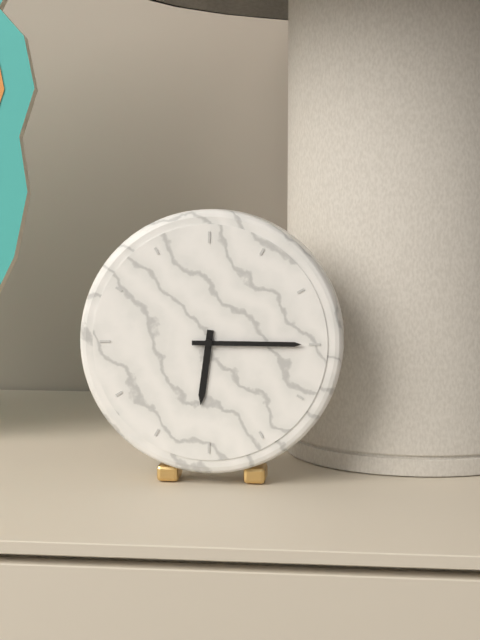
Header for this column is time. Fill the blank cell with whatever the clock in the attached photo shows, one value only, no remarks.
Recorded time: 6:15
